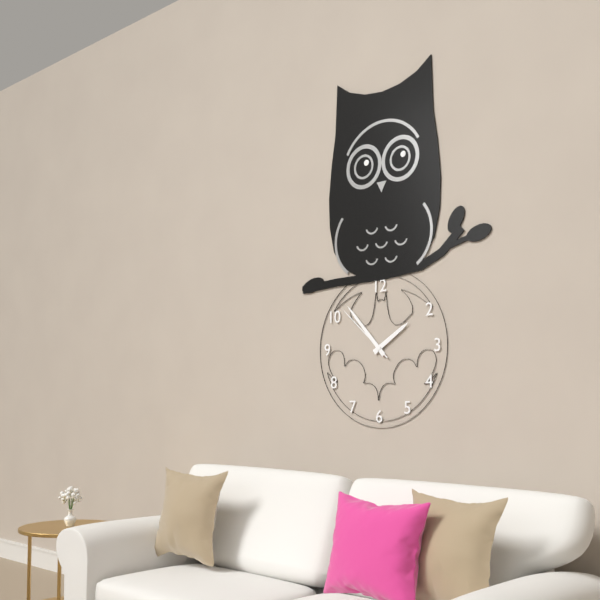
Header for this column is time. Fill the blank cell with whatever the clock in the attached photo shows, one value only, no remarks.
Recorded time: 1:53:52
